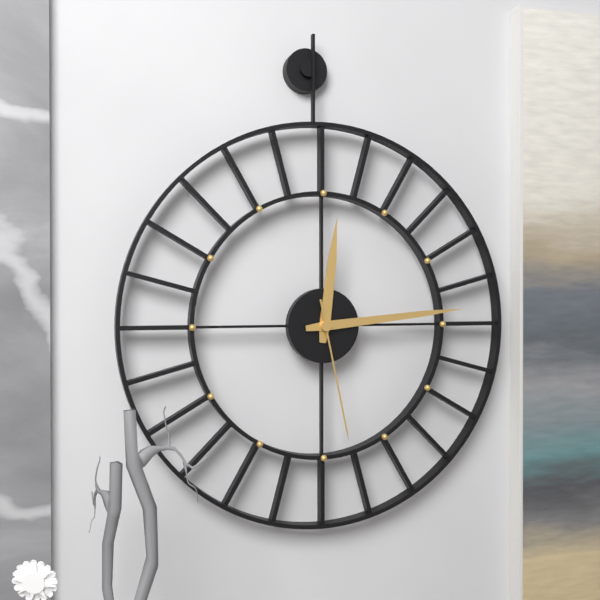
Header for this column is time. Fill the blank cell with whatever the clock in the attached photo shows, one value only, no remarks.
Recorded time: 12:14:28
